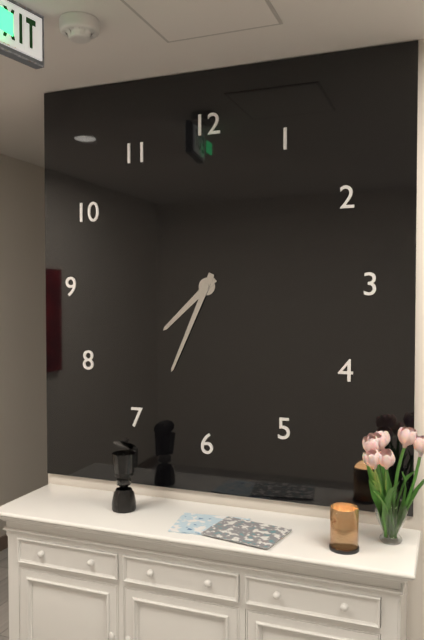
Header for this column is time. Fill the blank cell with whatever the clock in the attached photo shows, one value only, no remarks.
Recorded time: 7:34
